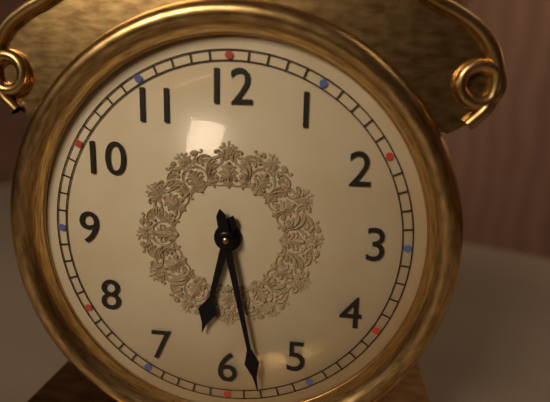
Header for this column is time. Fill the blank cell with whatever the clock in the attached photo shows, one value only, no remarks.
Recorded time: 6:28
